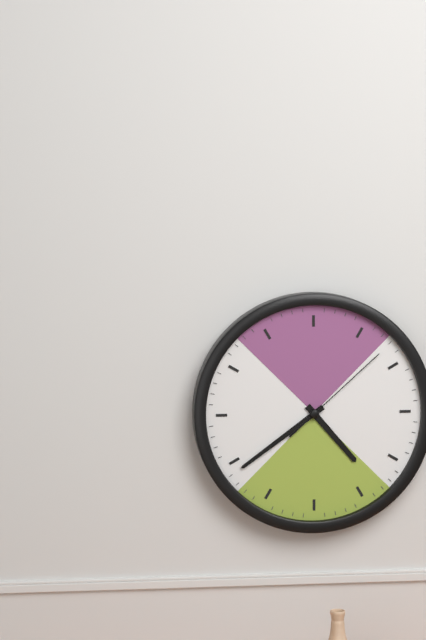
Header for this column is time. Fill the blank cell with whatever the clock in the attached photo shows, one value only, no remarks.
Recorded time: 4:39:08
